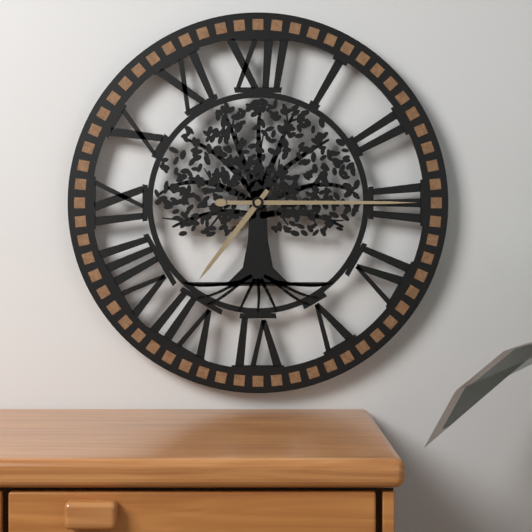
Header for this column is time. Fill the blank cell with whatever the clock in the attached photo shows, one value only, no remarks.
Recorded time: 7:15
